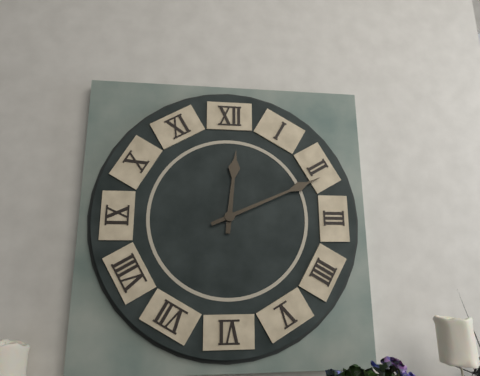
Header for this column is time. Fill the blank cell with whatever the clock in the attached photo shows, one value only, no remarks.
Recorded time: 12:11
